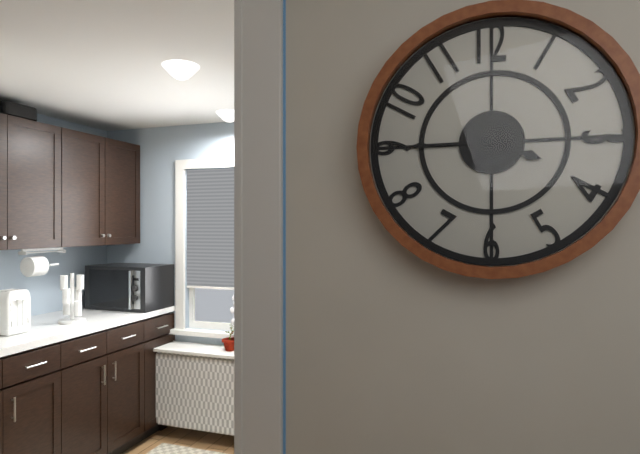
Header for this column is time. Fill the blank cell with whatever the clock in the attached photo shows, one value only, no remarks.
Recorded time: 3:45
